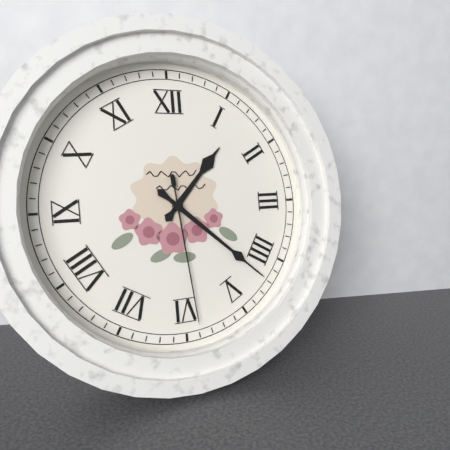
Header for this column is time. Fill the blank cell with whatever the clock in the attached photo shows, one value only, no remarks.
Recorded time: 1:22:29
